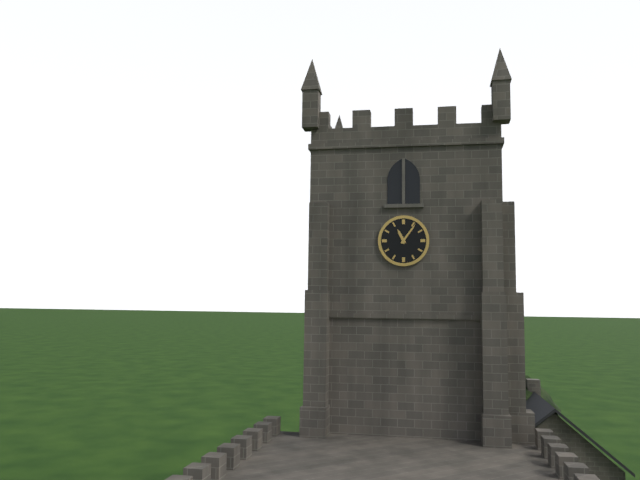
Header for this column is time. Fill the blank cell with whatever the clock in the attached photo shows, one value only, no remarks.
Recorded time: 11:06
